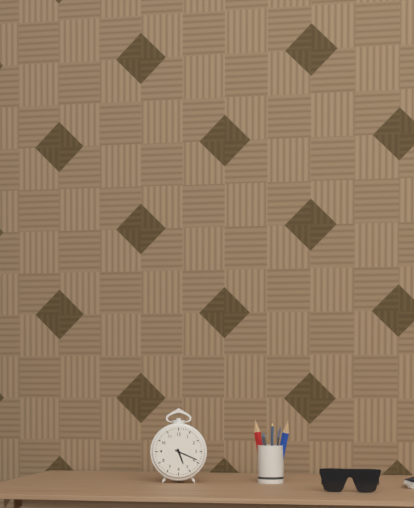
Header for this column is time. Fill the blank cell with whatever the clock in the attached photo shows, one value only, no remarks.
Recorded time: 5:19
